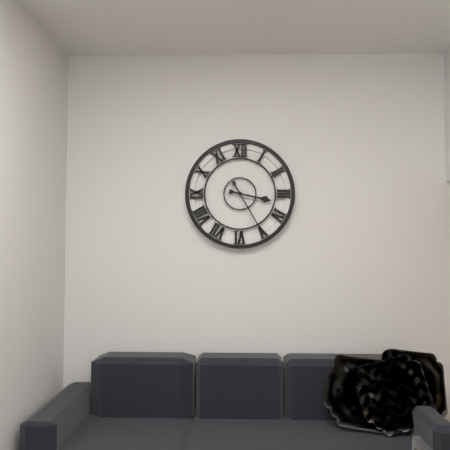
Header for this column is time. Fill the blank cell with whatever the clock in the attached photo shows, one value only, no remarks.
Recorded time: 3:25
